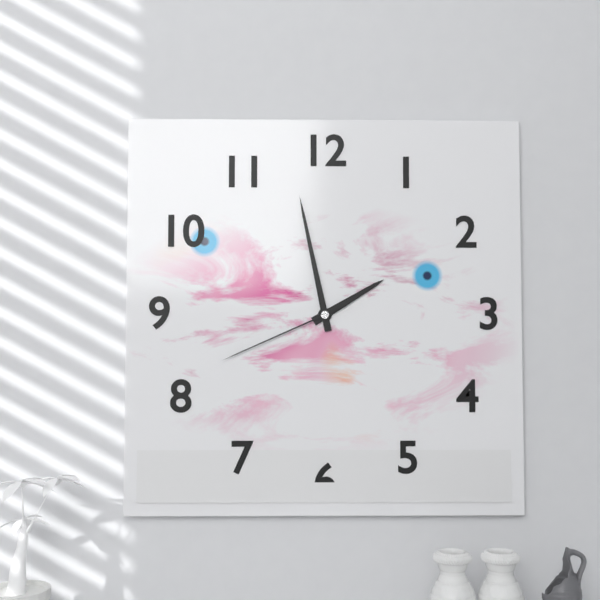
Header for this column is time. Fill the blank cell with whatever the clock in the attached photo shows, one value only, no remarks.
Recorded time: 1:58:41
